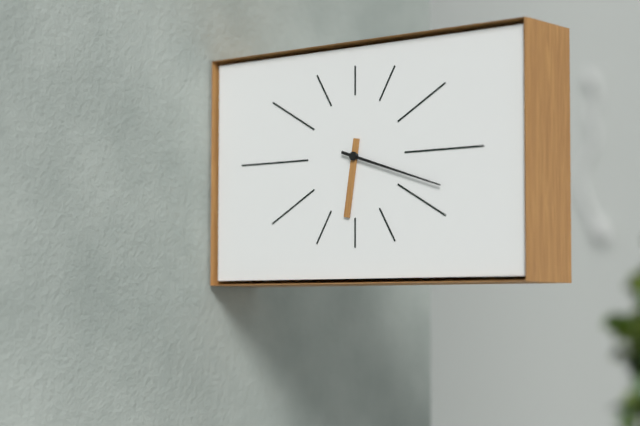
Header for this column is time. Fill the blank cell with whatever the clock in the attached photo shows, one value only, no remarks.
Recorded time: 6:18
